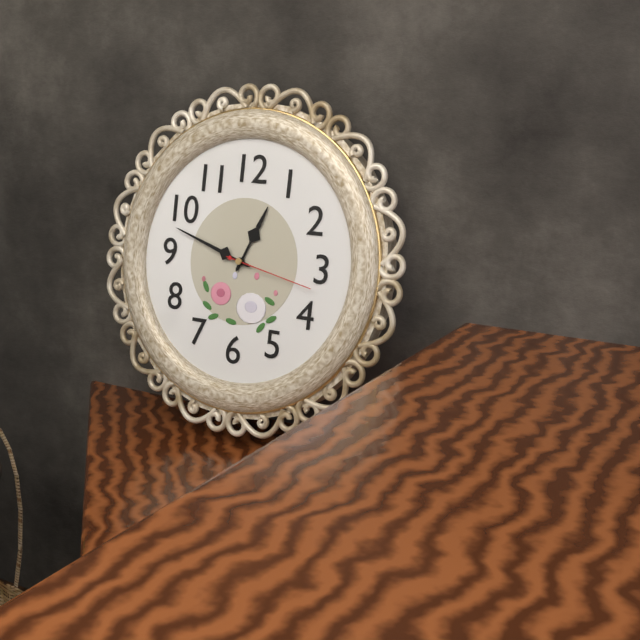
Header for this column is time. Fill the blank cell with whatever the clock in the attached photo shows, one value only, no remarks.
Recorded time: 12:48:17
